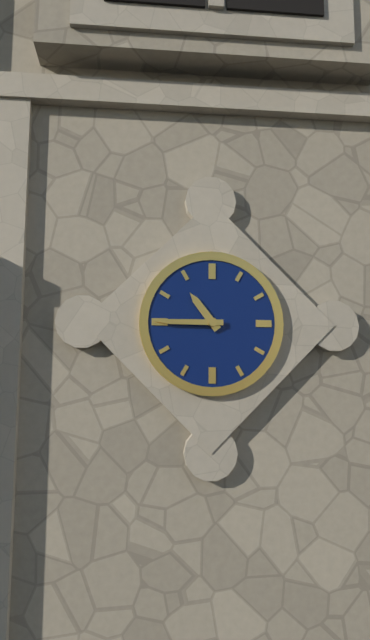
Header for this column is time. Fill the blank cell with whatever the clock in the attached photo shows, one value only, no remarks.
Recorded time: 10:45
